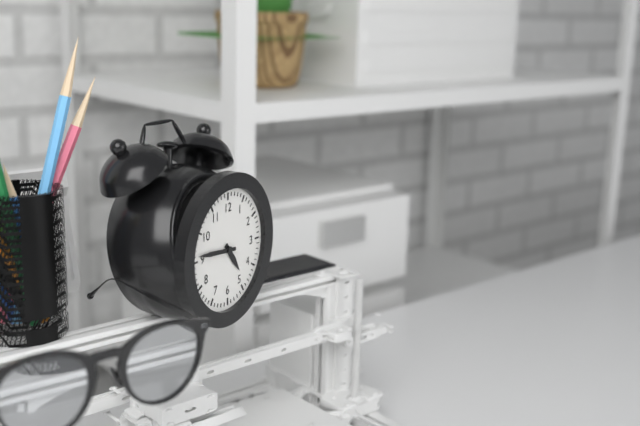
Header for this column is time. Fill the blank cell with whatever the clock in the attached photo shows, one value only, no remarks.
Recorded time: 4:46
